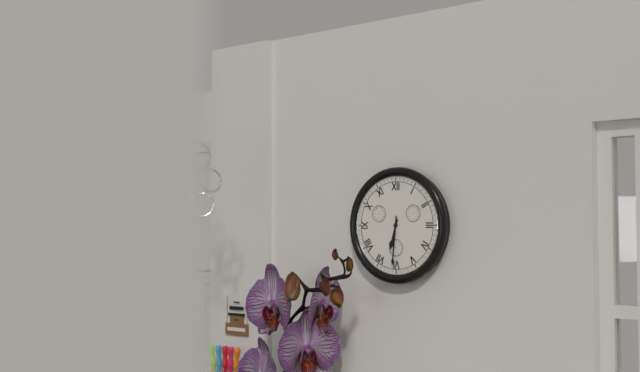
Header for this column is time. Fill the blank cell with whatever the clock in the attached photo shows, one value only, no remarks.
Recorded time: 6:31
